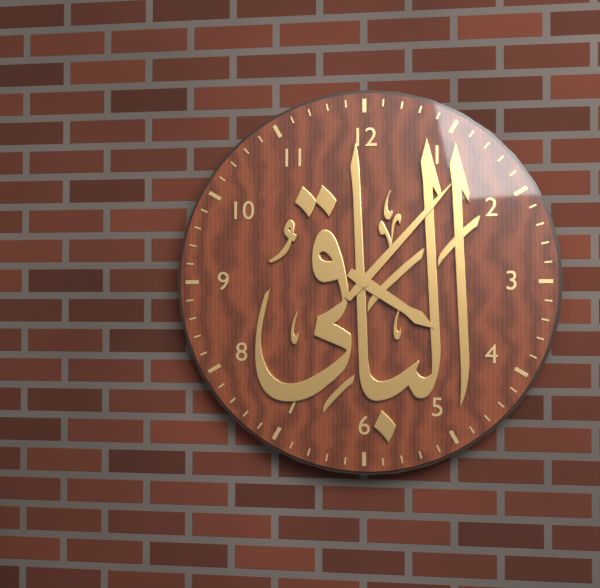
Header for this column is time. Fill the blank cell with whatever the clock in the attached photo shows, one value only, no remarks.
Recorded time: 4:07
